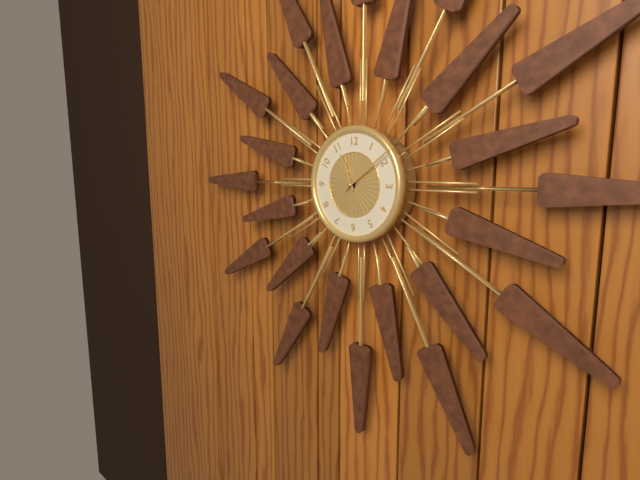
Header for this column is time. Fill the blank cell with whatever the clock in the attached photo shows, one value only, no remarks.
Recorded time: 11:09
